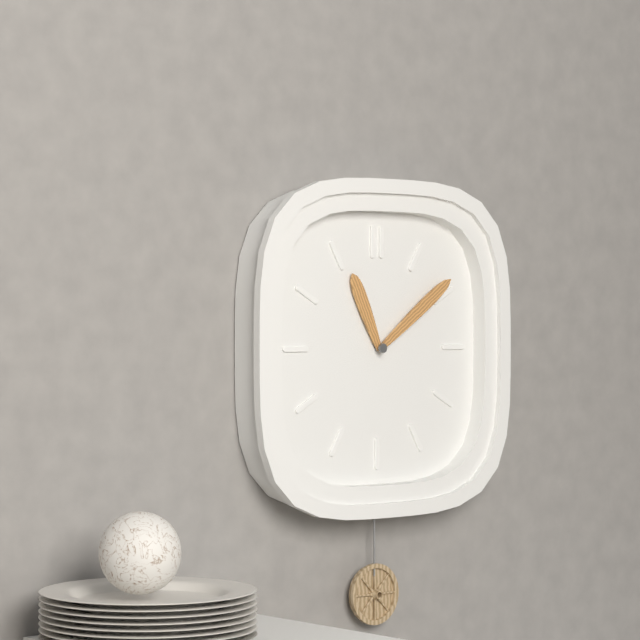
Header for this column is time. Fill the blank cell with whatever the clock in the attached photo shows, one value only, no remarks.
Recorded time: 11:09
